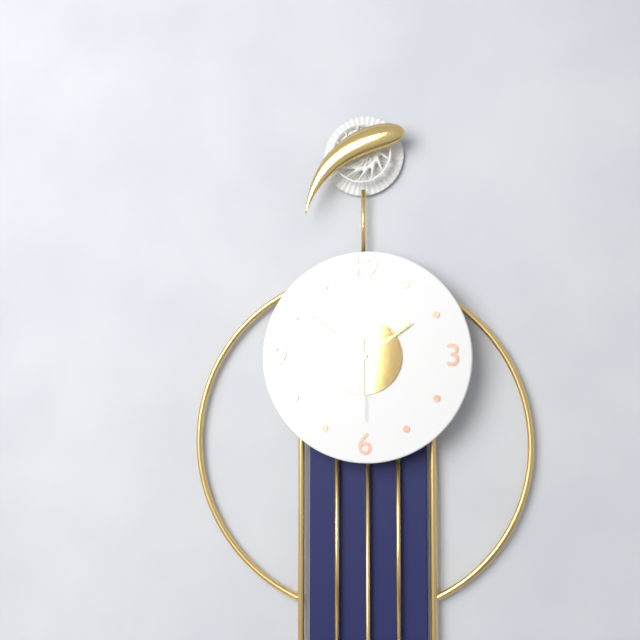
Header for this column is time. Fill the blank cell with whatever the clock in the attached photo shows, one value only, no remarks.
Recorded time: 1:51:30
